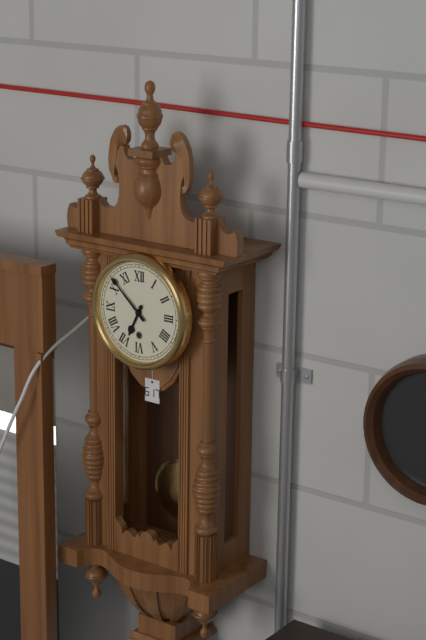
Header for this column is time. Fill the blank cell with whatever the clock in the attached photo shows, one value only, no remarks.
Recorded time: 6:52
